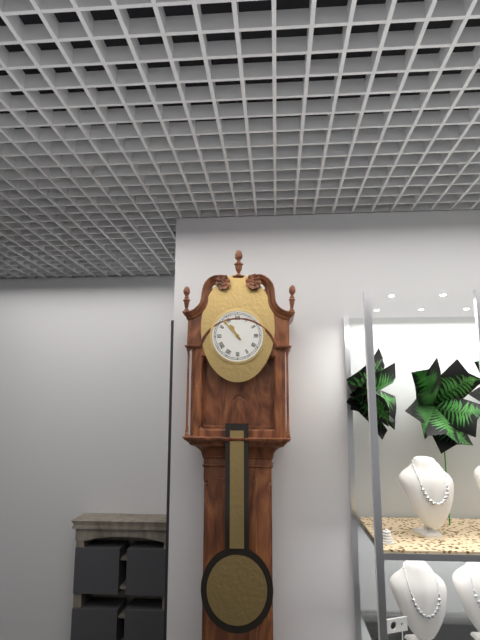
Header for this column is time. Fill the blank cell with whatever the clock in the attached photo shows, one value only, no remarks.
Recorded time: 10:53
